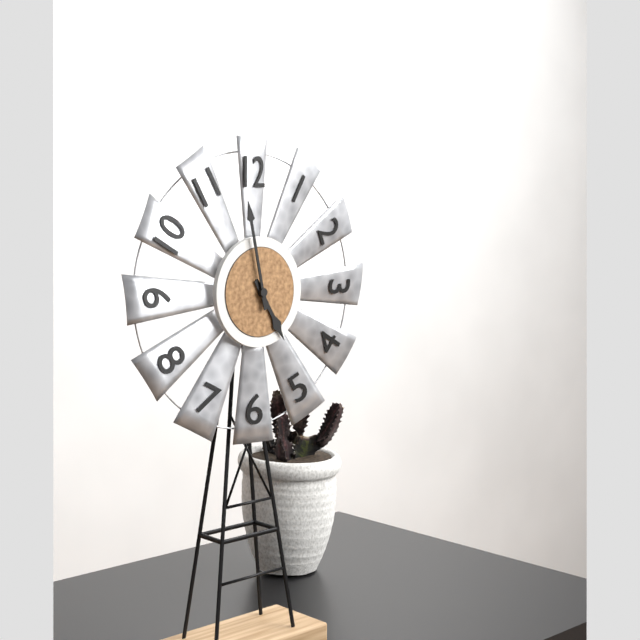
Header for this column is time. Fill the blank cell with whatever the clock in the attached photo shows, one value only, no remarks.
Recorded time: 4:58
